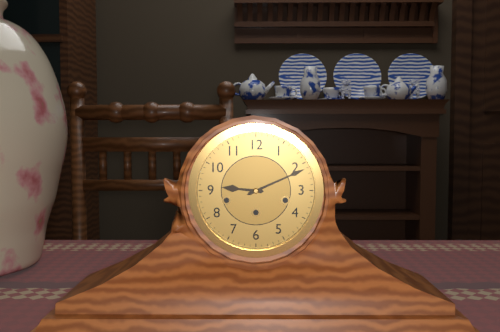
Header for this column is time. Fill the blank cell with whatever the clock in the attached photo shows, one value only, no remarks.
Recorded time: 9:11
